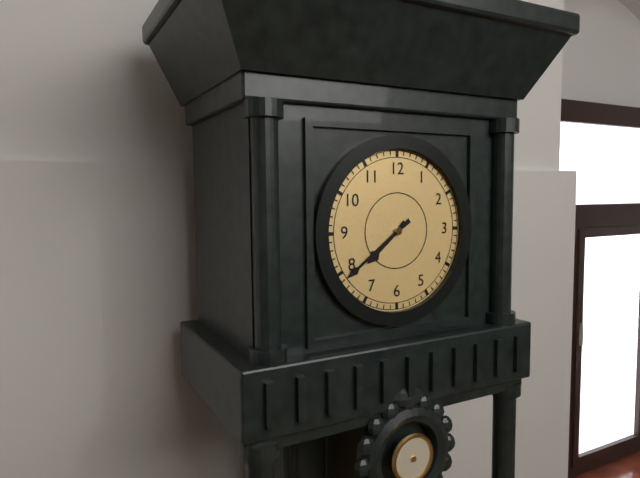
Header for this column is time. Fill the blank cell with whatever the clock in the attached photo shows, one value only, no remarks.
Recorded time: 7:39
